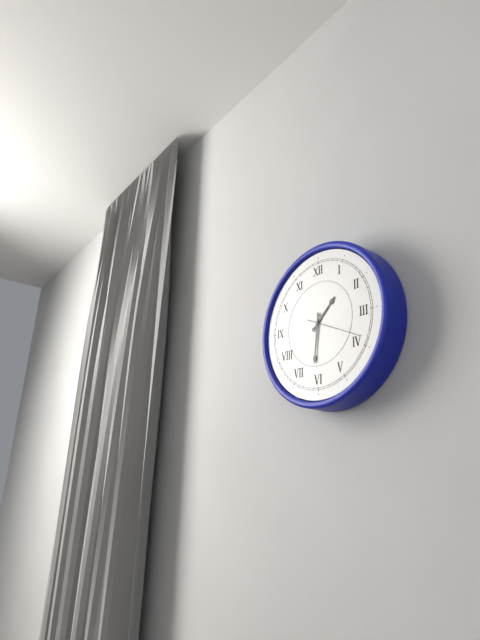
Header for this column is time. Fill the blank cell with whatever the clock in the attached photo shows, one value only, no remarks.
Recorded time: 1:31:19
